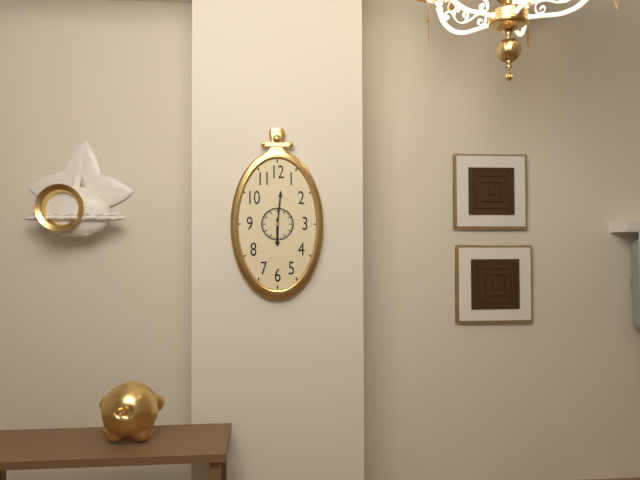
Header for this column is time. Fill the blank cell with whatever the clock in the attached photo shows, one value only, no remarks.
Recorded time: 6:01
